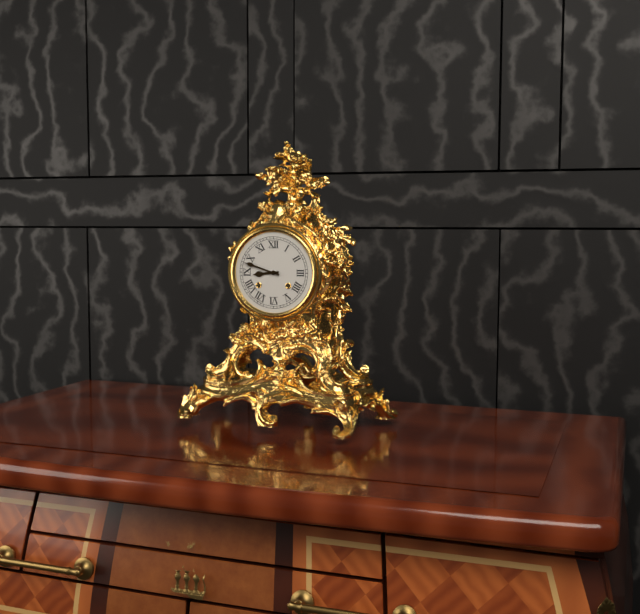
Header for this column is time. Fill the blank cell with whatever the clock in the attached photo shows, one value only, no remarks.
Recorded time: 8:48
